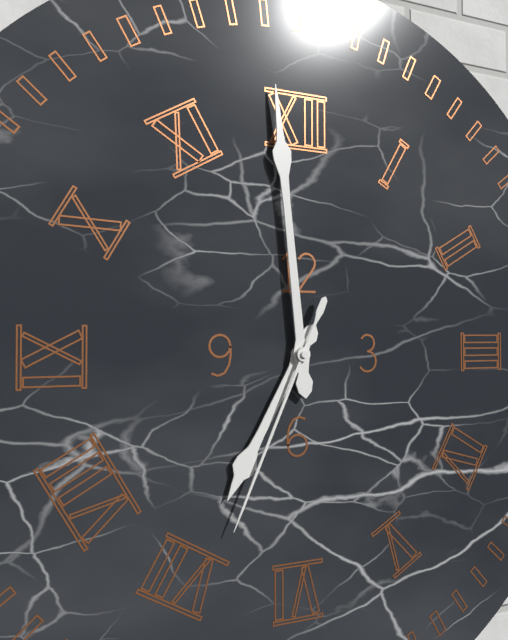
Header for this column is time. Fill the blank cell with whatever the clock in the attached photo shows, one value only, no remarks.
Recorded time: 6:59:34
